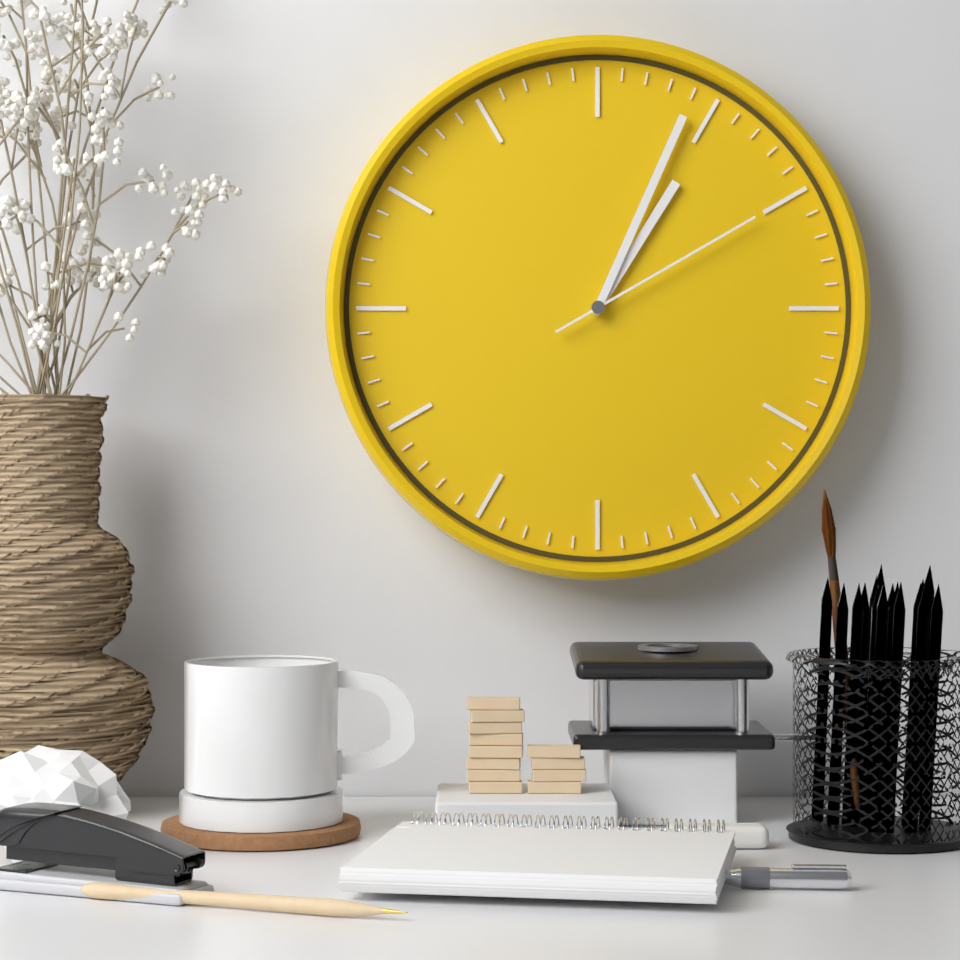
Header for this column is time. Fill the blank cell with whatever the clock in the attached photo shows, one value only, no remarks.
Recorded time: 1:04:10
